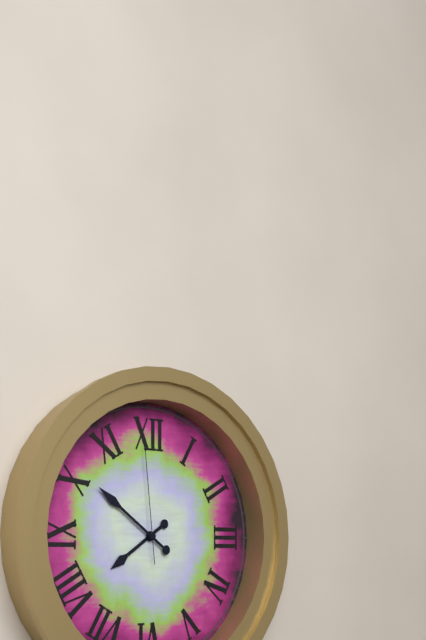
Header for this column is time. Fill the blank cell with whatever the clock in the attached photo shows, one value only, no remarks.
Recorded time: 7:51:59
